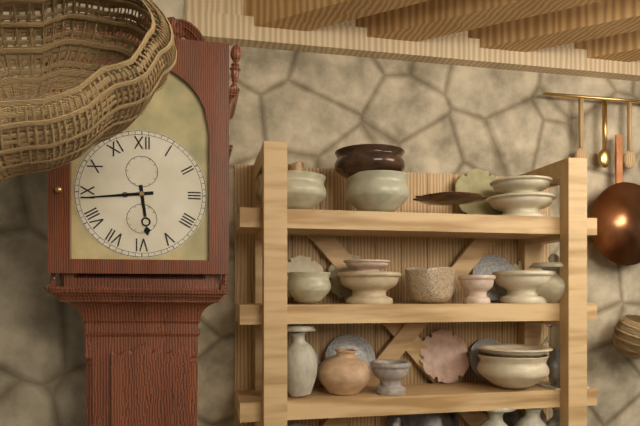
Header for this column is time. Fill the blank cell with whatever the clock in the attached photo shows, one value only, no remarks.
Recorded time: 5:44
